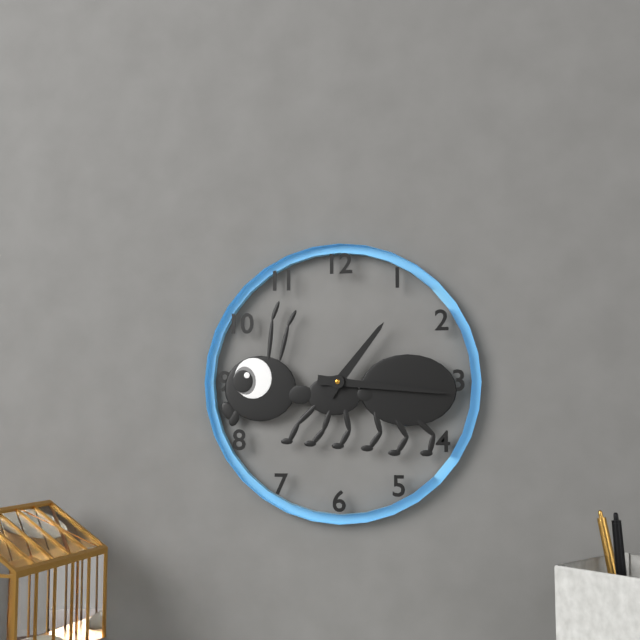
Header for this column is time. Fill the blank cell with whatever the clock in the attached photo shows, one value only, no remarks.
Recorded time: 1:16
